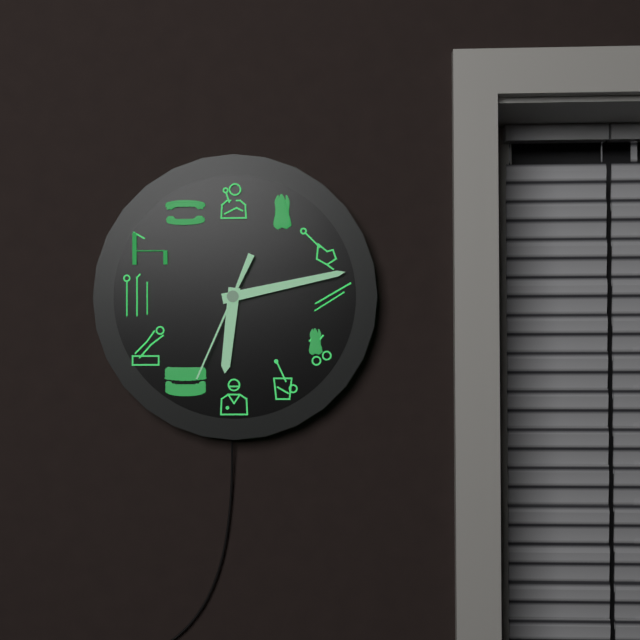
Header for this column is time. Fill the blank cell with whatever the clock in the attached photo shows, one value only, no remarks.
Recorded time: 6:13:34
